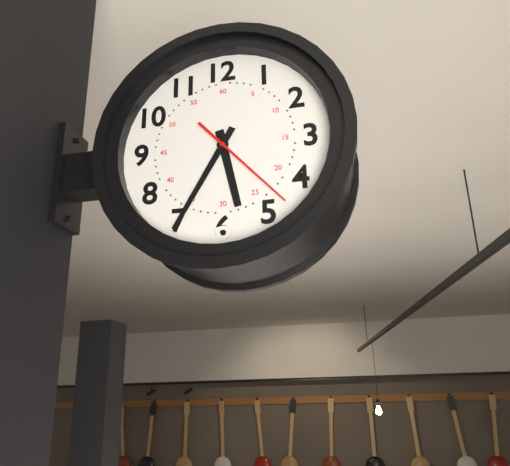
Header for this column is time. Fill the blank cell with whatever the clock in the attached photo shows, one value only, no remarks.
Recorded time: 5:35:23
